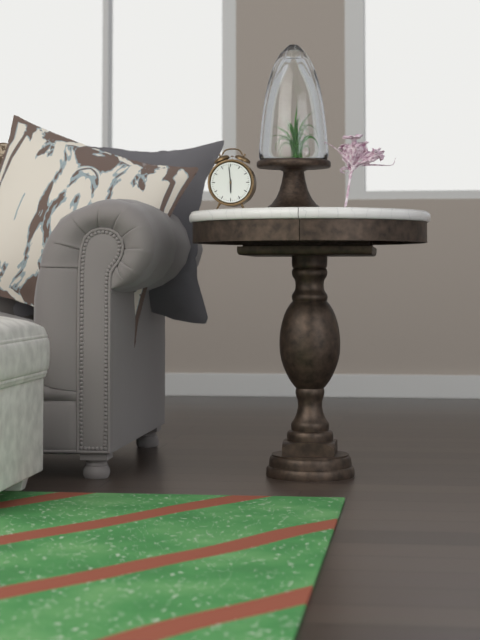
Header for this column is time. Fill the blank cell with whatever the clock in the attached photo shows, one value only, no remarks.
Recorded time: 5:59
